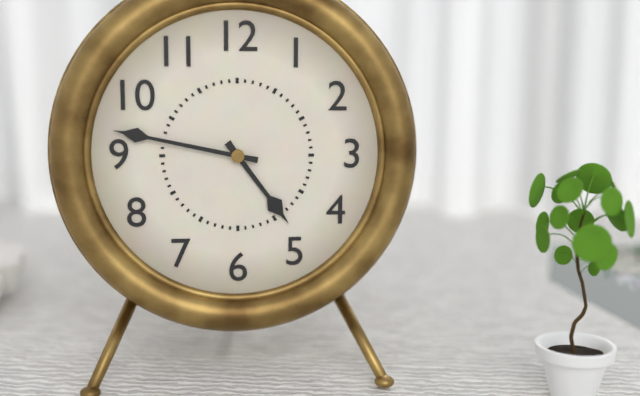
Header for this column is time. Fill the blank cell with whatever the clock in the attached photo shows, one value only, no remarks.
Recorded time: 4:47
